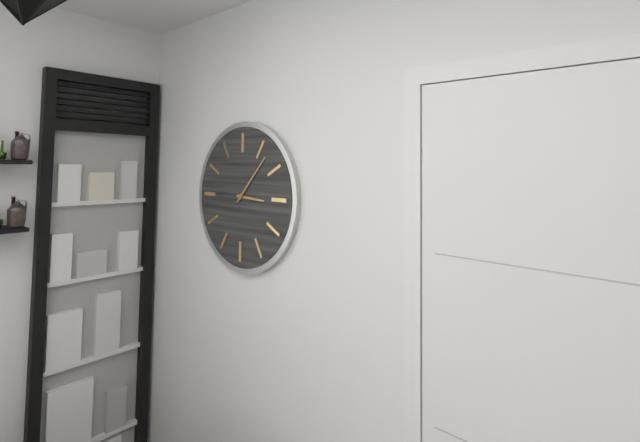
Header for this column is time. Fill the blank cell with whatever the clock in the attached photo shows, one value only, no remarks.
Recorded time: 3:07
